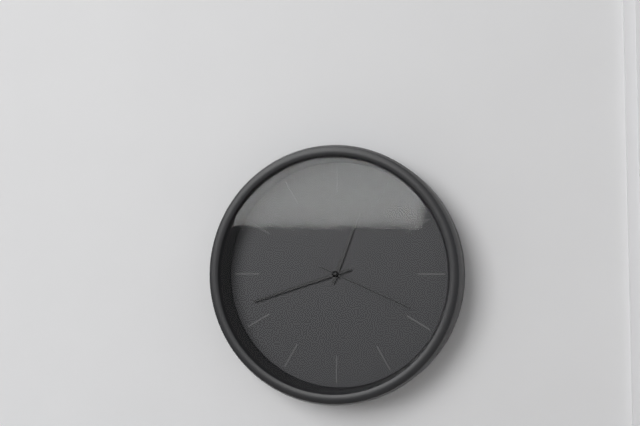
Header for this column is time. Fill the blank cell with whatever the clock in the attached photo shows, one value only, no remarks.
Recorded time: 12:42:19
